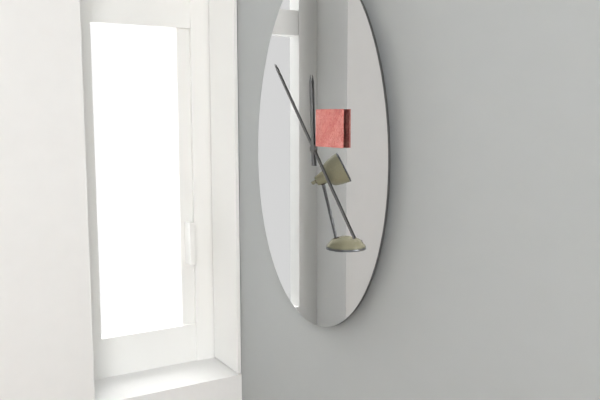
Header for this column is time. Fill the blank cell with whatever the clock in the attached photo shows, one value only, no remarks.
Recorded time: 11:53
